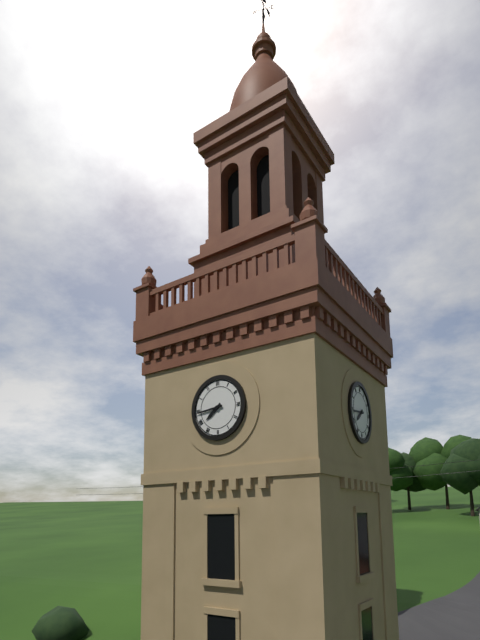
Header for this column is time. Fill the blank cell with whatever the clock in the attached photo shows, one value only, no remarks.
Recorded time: 7:44
